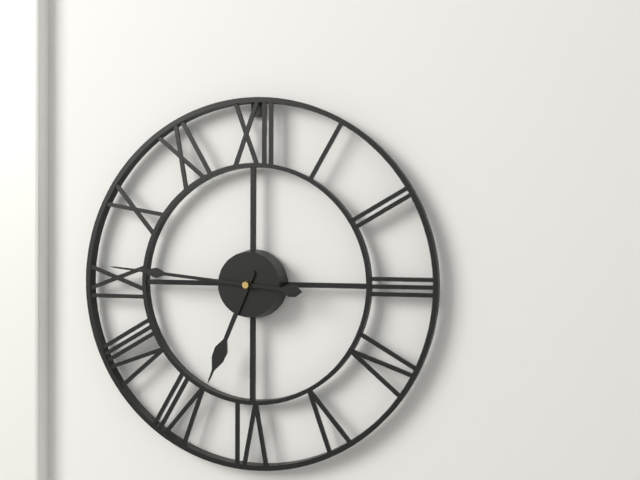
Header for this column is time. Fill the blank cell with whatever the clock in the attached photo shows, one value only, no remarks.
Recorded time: 6:46
